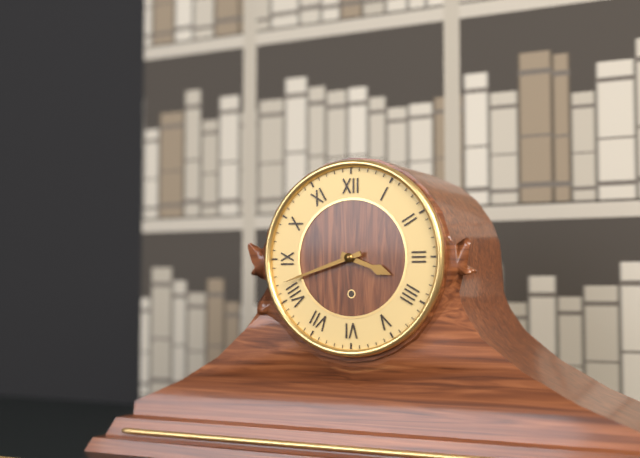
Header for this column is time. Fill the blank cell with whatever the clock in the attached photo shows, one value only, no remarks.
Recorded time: 3:42
